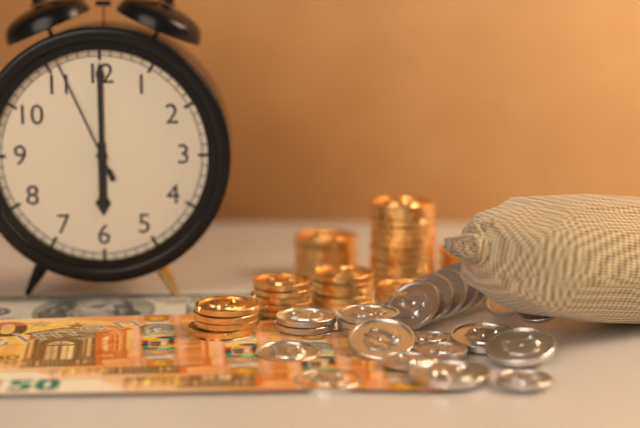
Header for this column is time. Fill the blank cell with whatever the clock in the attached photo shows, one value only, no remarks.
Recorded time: 6:00:56
